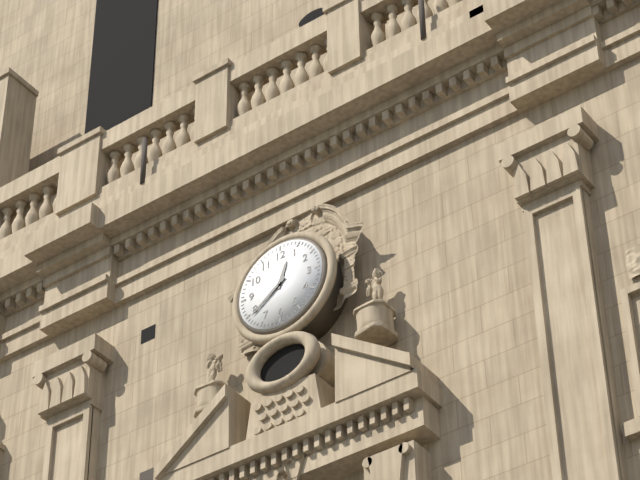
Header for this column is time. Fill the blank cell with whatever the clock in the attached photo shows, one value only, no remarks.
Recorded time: 12:39
